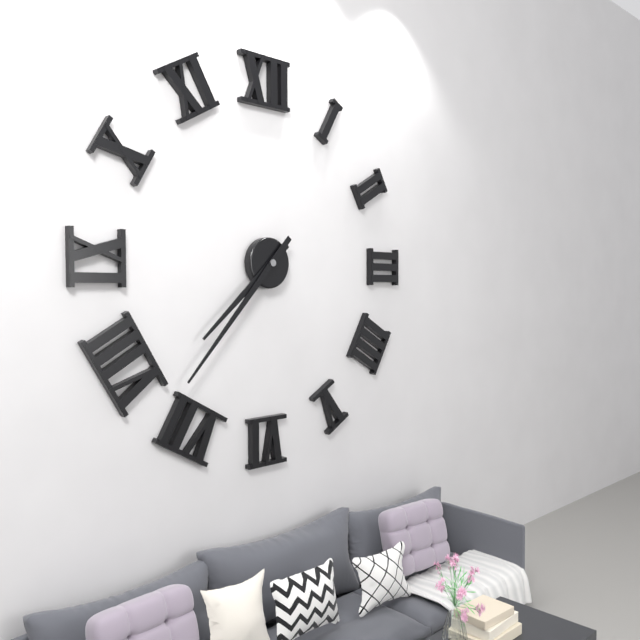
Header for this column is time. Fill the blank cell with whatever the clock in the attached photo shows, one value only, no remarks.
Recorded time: 7:37
